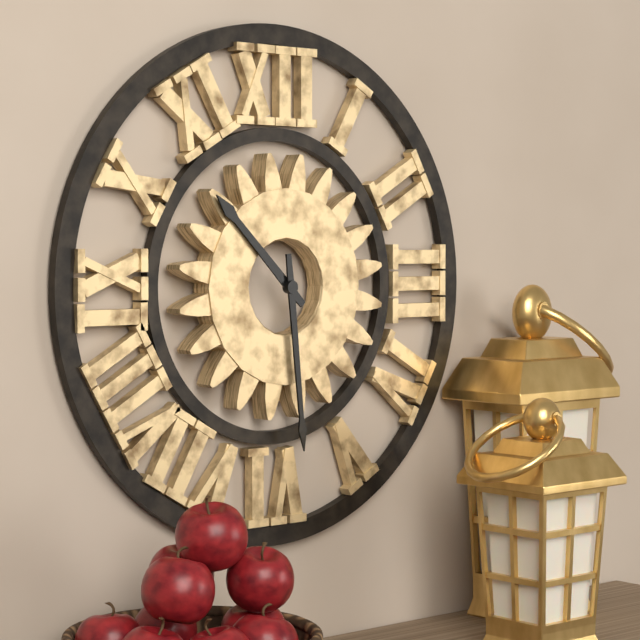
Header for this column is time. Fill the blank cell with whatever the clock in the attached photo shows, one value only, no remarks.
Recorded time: 10:29
